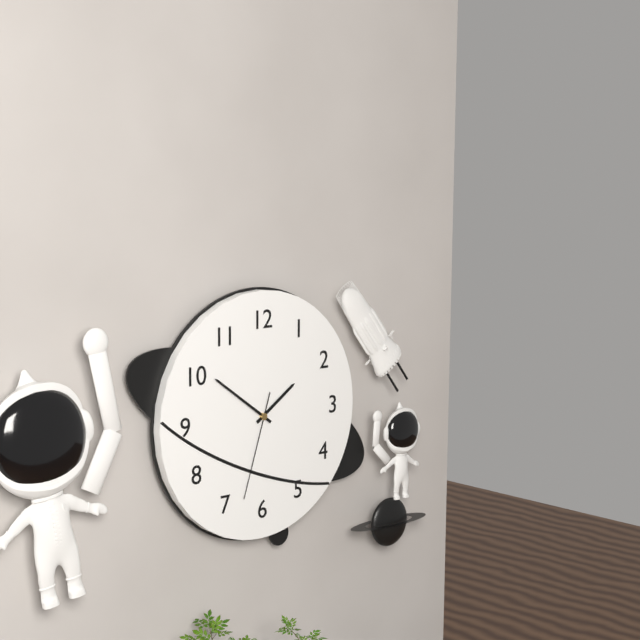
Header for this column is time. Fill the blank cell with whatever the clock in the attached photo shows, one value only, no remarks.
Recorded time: 1:51:33
